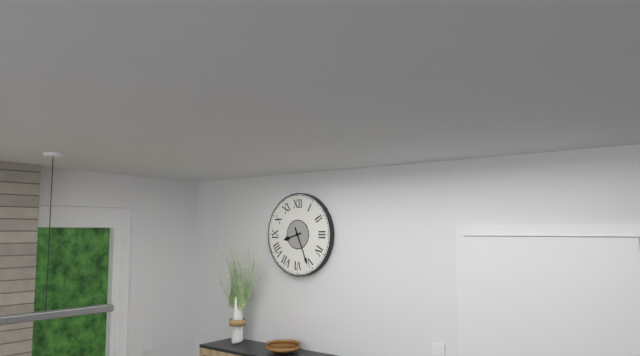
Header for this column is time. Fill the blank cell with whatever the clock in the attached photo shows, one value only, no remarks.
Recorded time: 8:26
